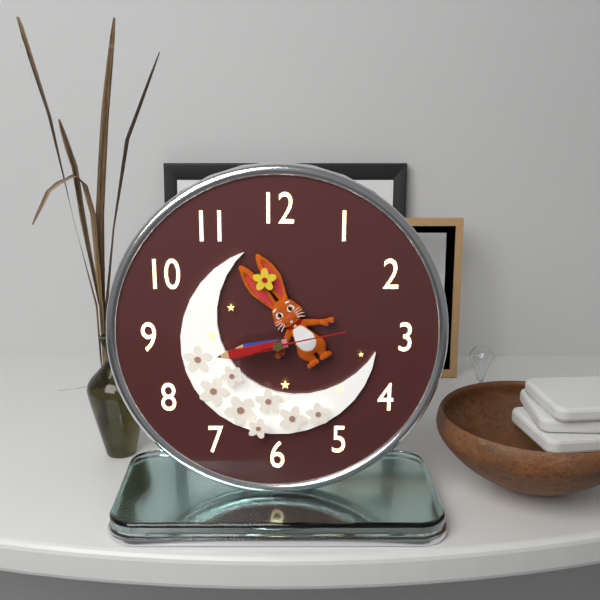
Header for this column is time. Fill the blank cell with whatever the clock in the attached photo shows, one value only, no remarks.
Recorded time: 8:43:13
